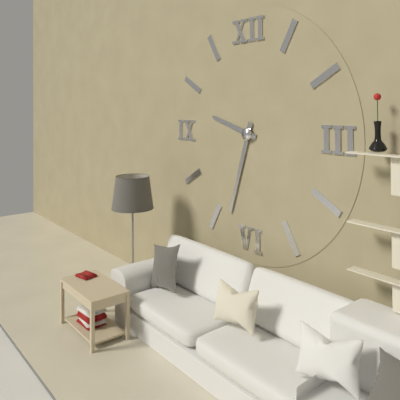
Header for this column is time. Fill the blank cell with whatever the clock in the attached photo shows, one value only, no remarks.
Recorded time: 9:33
